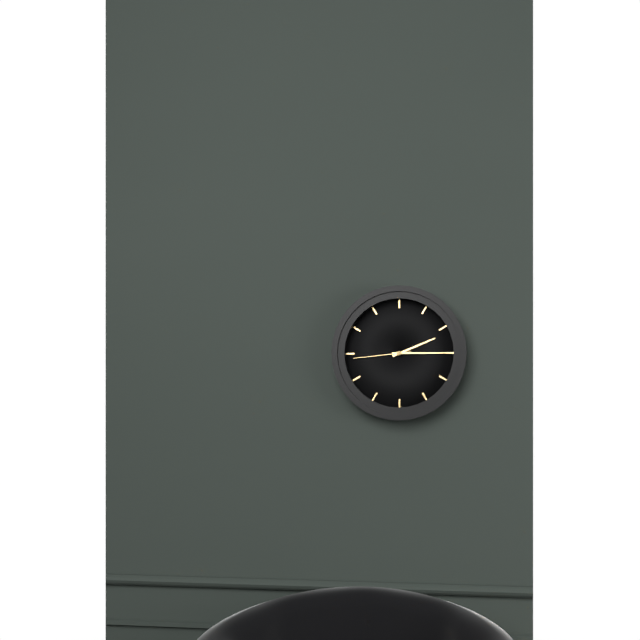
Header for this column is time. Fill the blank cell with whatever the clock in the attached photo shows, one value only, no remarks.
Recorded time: 2:15:44
